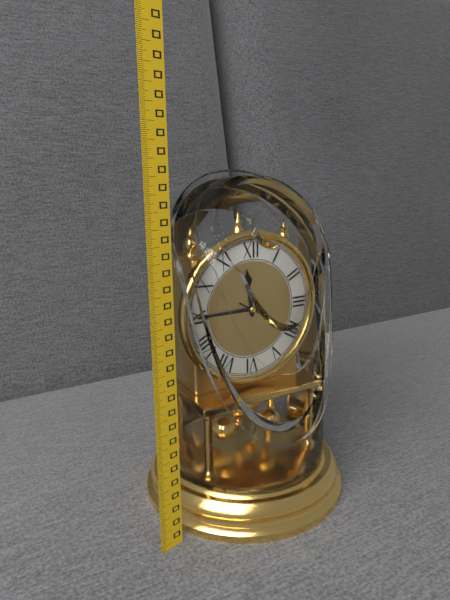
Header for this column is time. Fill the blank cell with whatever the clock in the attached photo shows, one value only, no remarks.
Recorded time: 11:45:20
